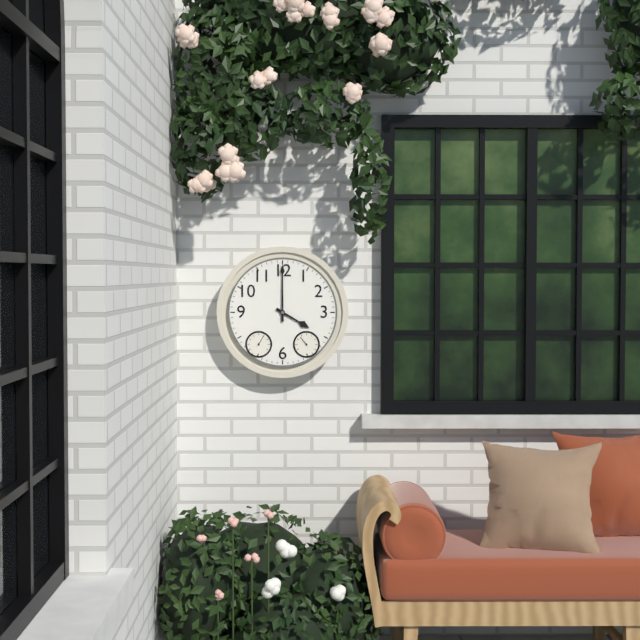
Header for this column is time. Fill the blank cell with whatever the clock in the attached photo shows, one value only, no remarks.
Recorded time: 4:00
